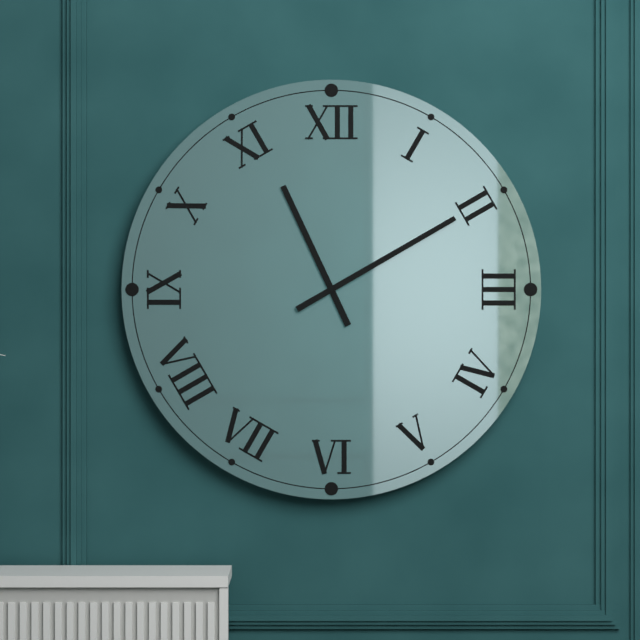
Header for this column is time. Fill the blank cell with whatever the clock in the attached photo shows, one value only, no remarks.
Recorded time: 11:10
